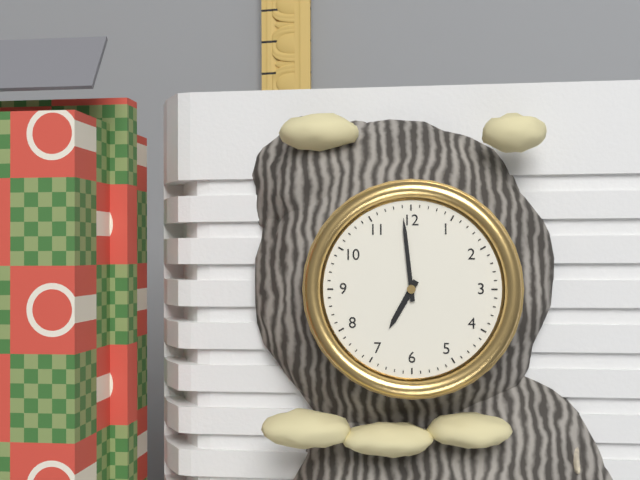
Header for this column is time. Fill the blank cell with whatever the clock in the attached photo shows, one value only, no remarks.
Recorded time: 6:59
